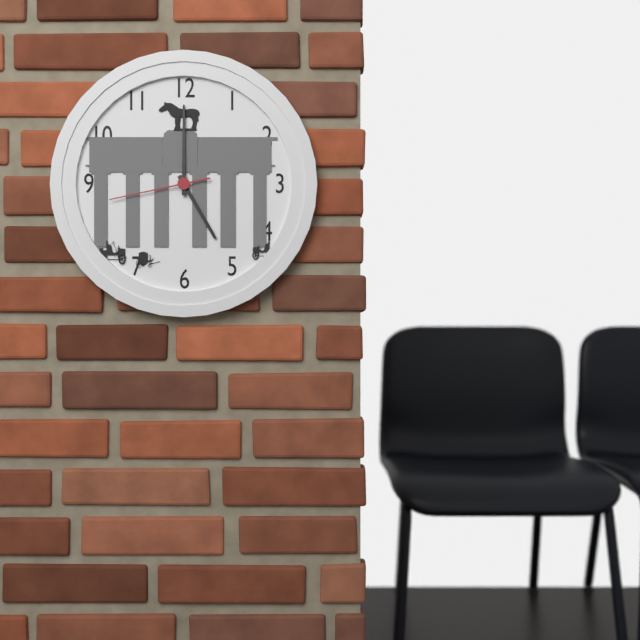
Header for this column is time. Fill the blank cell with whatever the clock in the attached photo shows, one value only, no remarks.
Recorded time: 5:00:43
